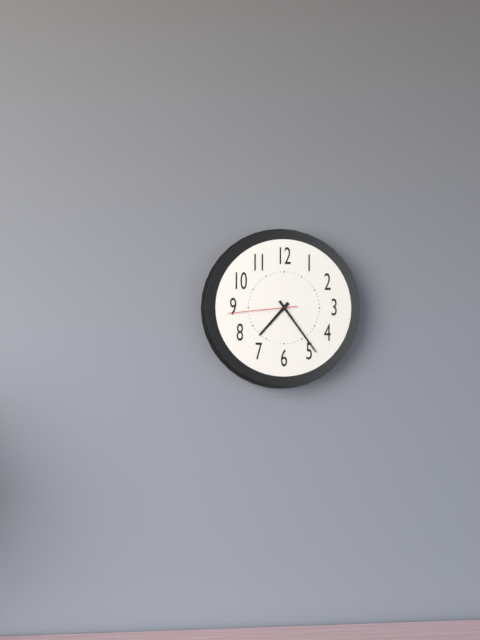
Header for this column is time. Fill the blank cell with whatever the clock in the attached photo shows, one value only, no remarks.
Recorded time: 7:24:44
